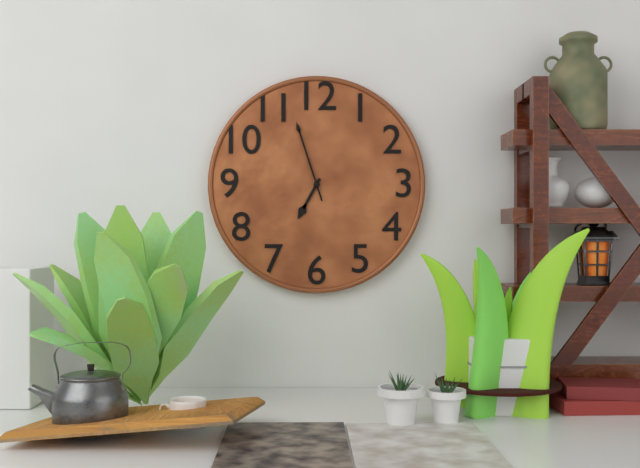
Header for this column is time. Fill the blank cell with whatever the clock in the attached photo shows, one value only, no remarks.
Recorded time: 6:57
